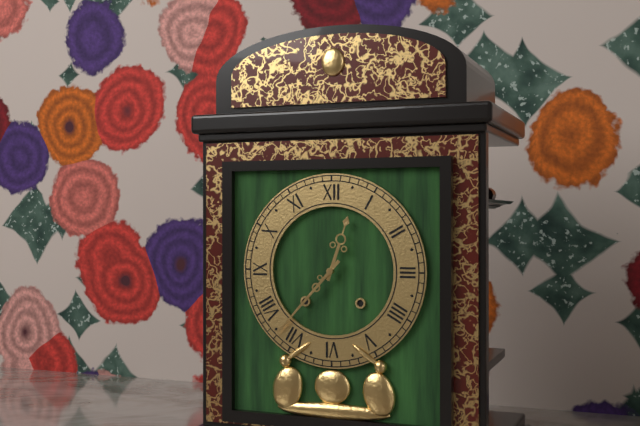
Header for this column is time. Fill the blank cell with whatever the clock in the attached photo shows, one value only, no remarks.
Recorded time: 12:37
